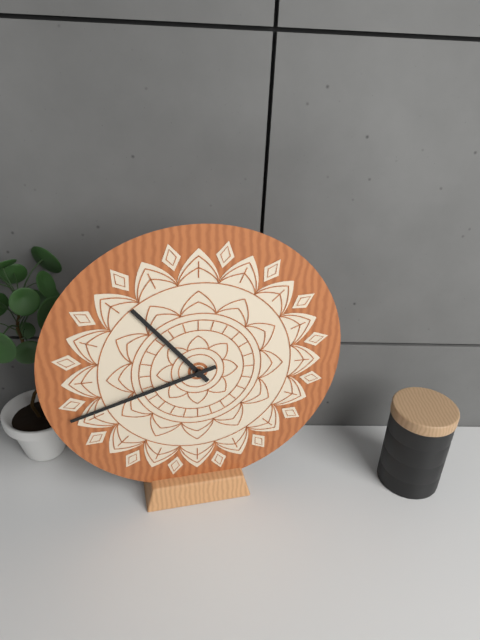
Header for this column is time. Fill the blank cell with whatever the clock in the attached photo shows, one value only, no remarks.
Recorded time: 10:42
